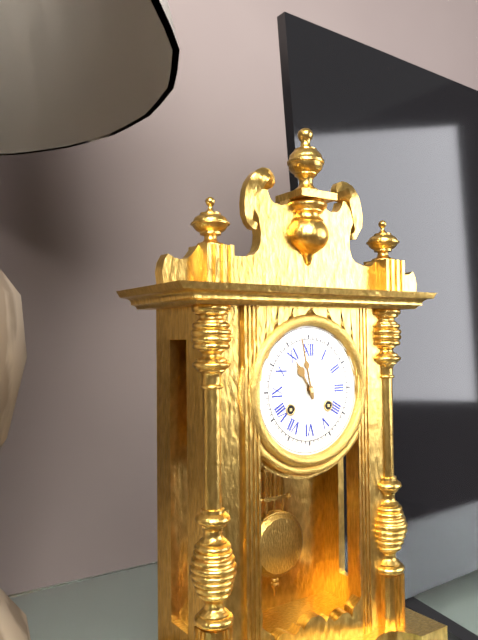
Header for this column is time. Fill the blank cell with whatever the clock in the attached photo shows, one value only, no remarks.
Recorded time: 10:58
